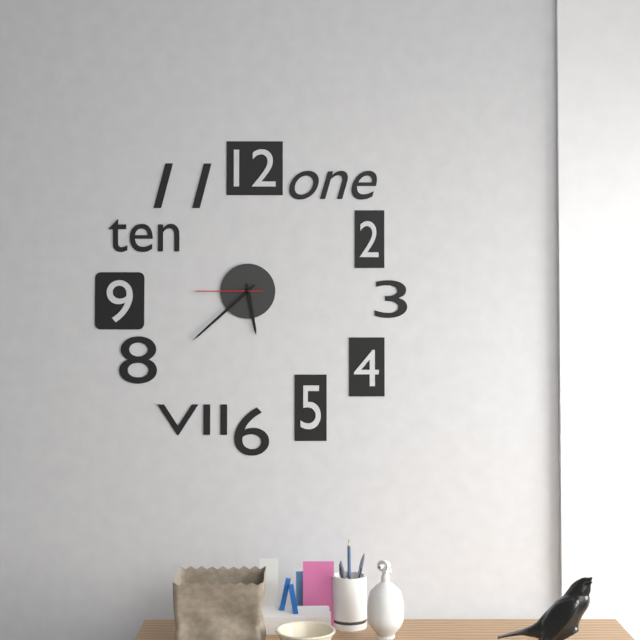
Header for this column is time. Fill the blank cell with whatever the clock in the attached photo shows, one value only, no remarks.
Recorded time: 5:38:45
